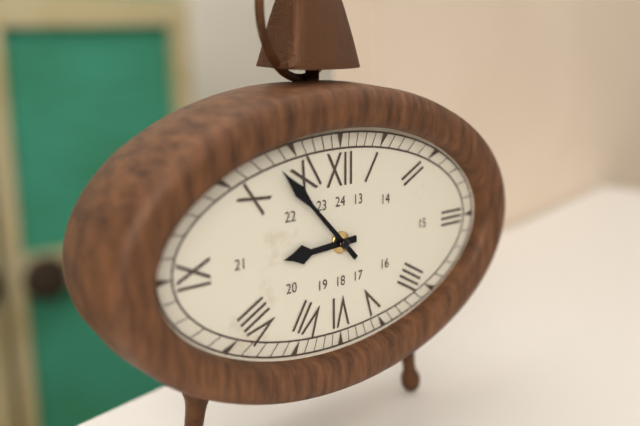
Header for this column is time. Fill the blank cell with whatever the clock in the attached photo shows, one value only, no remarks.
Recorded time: 8:53
